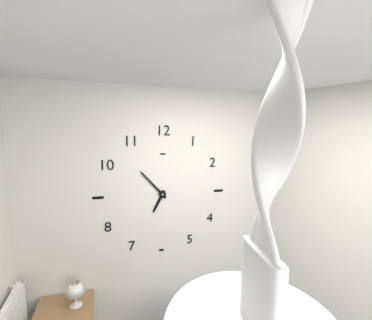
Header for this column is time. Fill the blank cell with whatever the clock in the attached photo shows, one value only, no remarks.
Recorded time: 6:53
